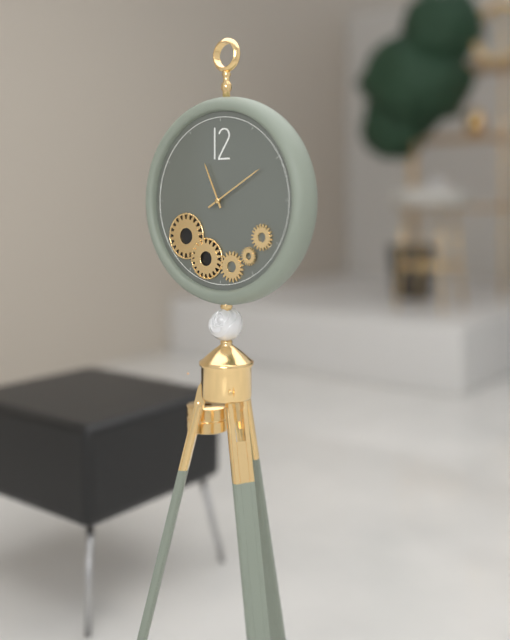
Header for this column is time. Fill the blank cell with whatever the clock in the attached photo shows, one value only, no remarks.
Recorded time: 11:10
